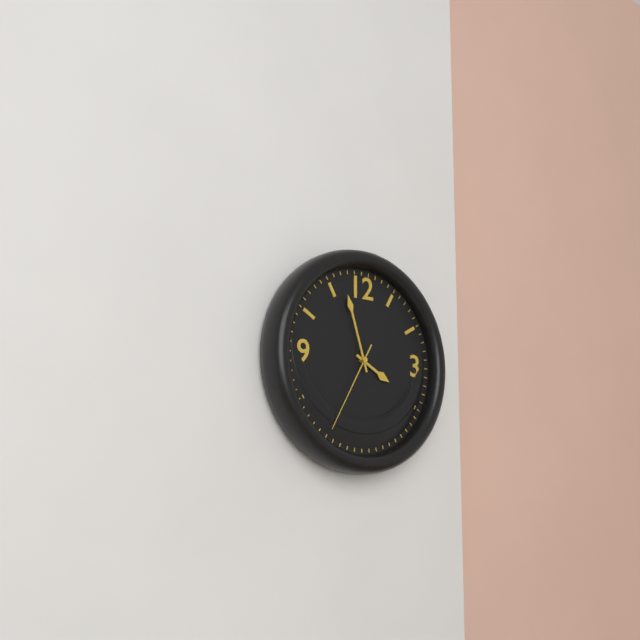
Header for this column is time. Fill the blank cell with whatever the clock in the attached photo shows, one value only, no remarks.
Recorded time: 3:57:35
